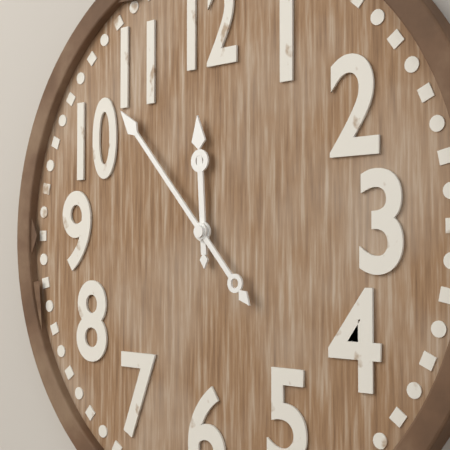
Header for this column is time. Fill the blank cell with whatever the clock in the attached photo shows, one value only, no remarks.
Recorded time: 11:53
